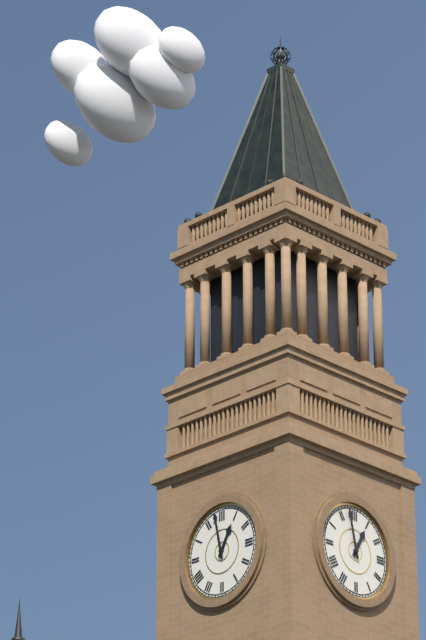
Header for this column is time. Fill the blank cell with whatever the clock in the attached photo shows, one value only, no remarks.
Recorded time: 12:58
